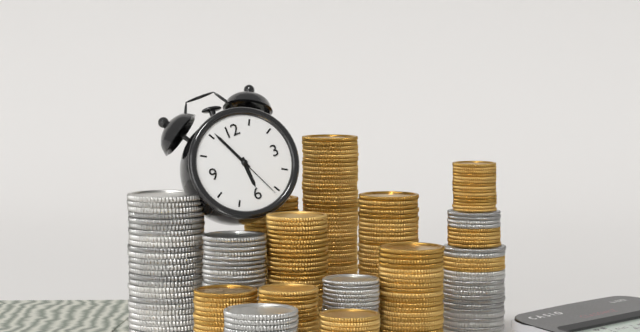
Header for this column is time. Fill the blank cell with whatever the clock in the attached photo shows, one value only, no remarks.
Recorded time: 5:56:26
